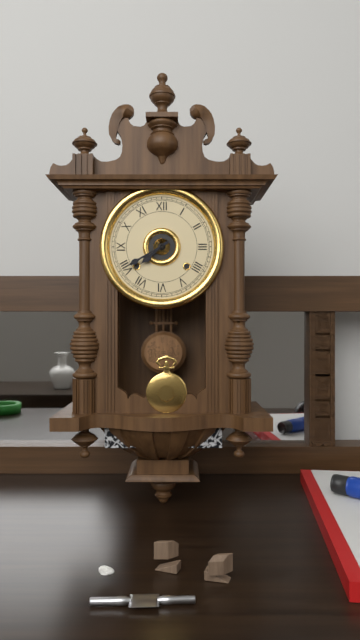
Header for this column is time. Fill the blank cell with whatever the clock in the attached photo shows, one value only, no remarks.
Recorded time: 7:40
